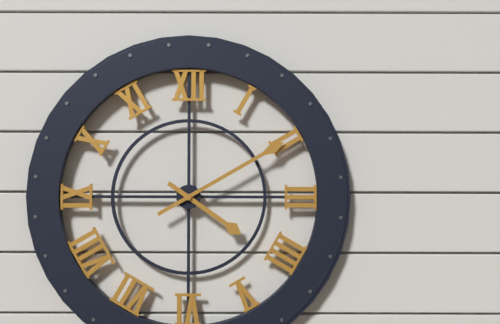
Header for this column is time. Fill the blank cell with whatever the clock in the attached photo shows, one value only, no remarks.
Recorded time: 4:10
